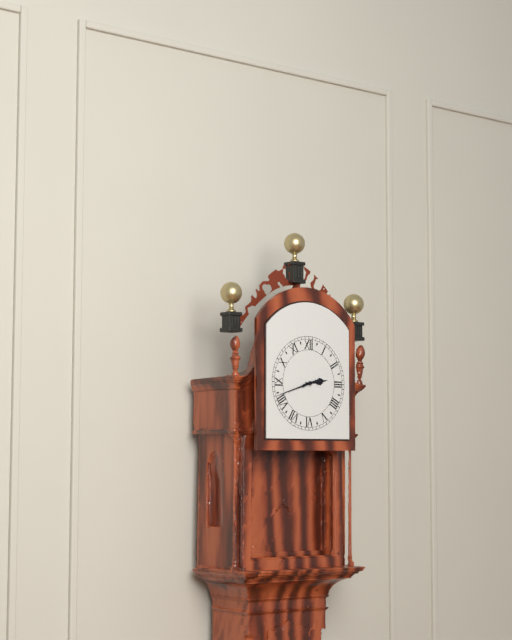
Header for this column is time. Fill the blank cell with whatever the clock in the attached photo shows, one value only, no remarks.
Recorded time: 2:42
